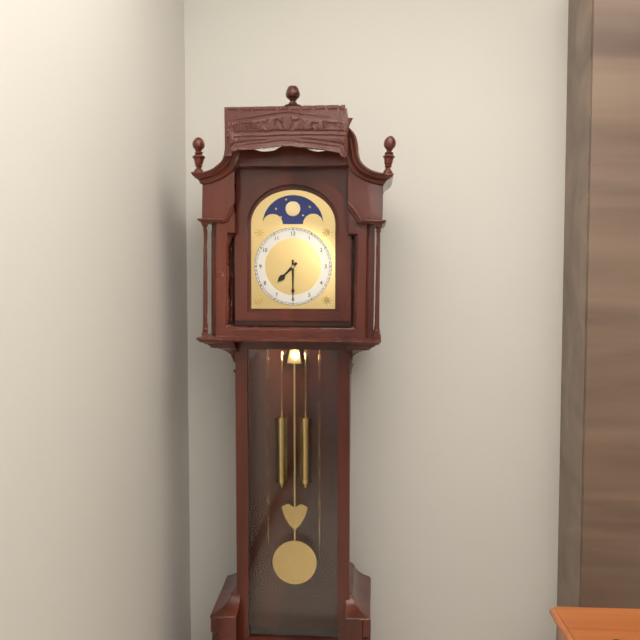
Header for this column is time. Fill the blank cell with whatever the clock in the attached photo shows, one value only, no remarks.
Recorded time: 7:30
